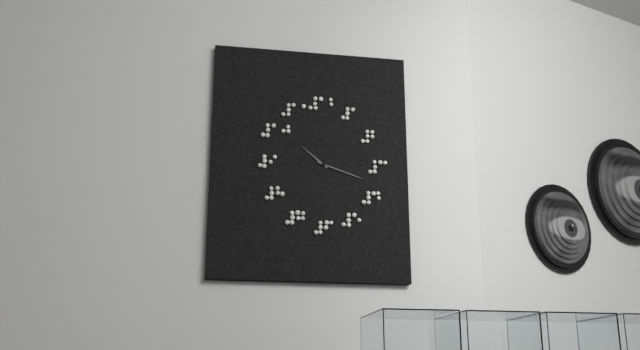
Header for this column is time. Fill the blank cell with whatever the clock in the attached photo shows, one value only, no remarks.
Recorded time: 10:18
